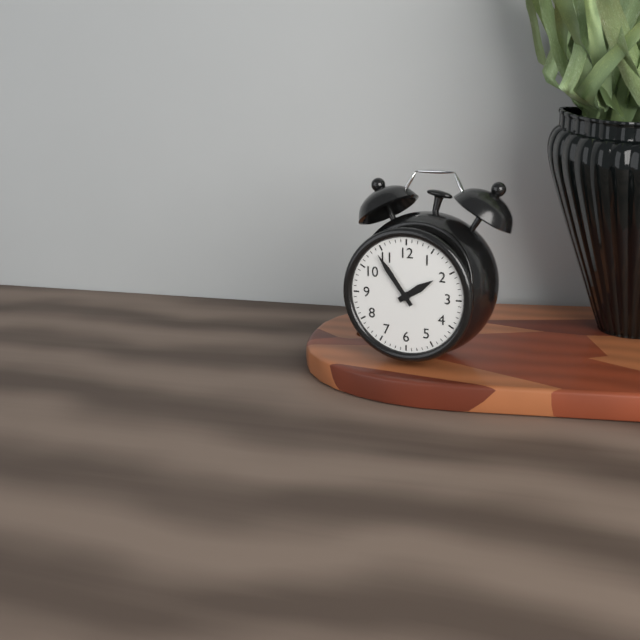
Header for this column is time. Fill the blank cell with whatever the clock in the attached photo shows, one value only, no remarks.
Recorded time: 1:54
